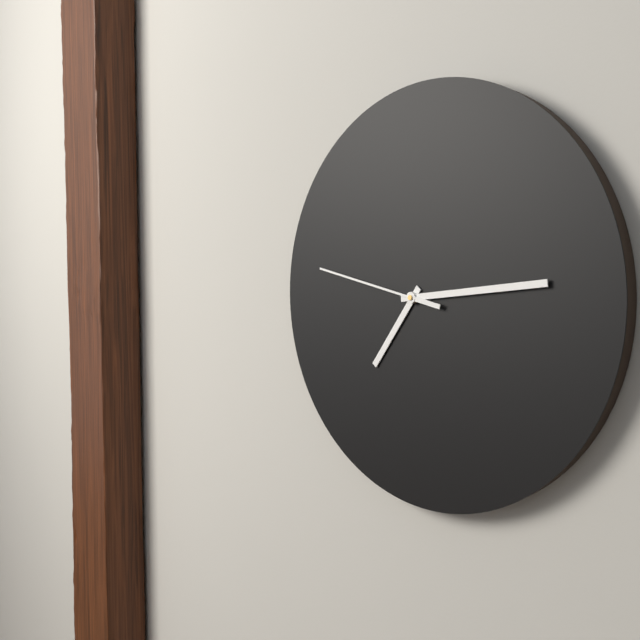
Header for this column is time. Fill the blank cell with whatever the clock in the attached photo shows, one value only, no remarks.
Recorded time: 7:14:47
